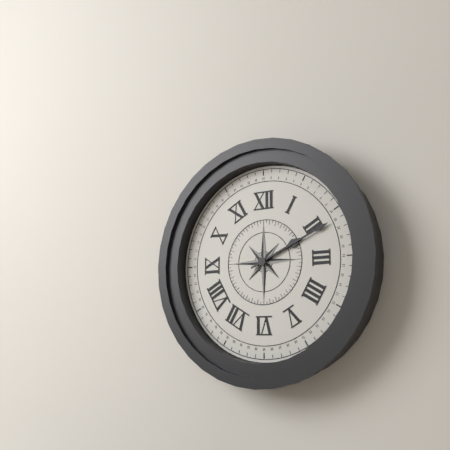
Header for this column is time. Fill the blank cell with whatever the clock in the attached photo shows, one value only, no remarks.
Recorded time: 2:11
